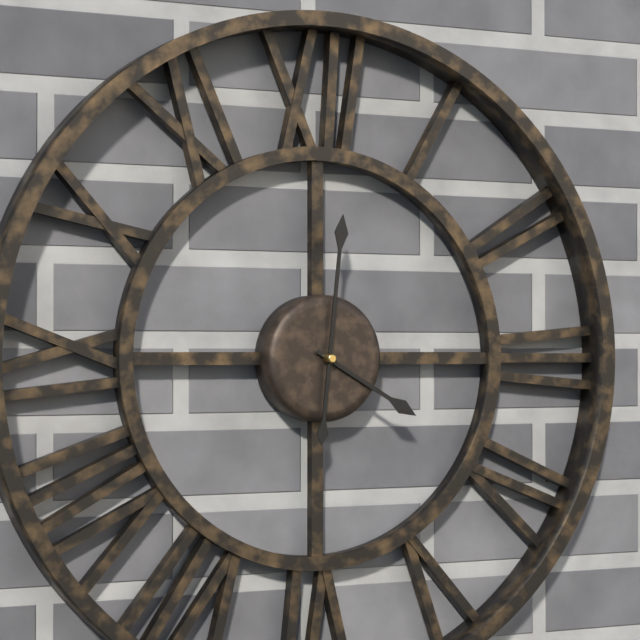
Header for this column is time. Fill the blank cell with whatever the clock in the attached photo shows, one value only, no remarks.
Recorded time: 4:01
